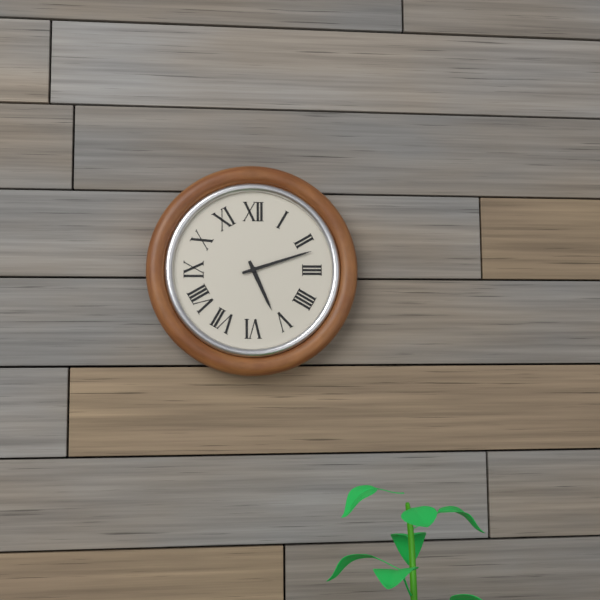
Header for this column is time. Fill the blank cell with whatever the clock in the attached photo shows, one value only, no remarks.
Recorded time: 5:12
